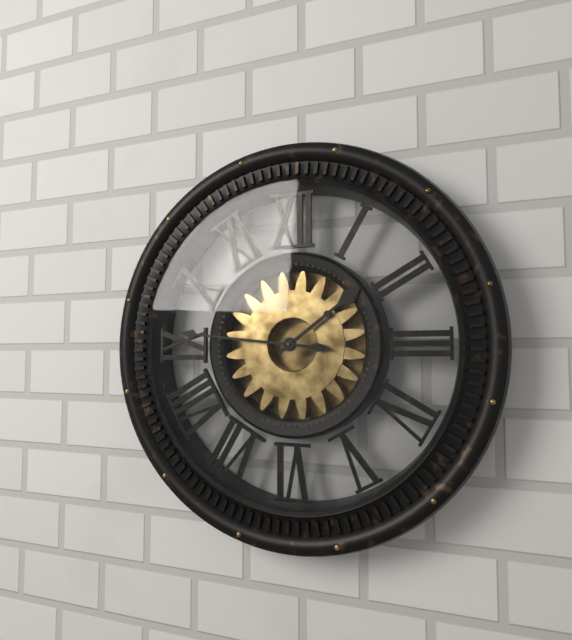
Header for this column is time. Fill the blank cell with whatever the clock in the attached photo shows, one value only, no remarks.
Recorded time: 1:46
